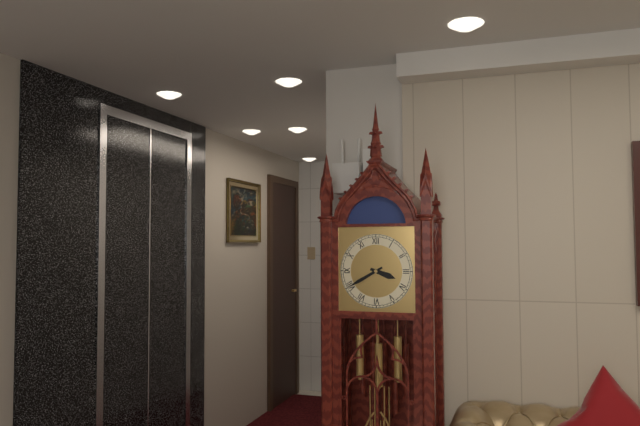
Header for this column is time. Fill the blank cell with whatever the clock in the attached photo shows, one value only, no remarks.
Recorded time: 3:40
